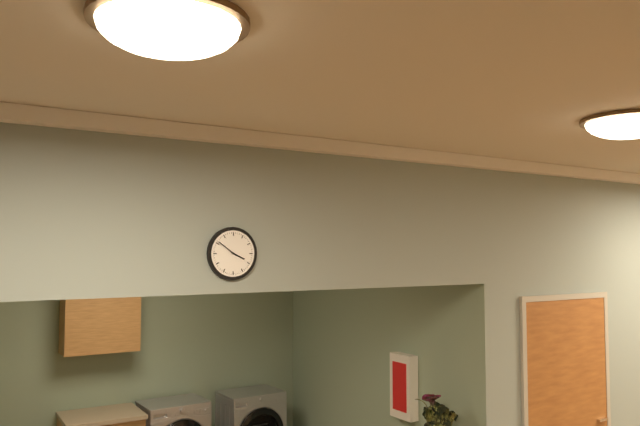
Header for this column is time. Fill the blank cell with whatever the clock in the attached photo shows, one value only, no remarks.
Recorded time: 3:51
